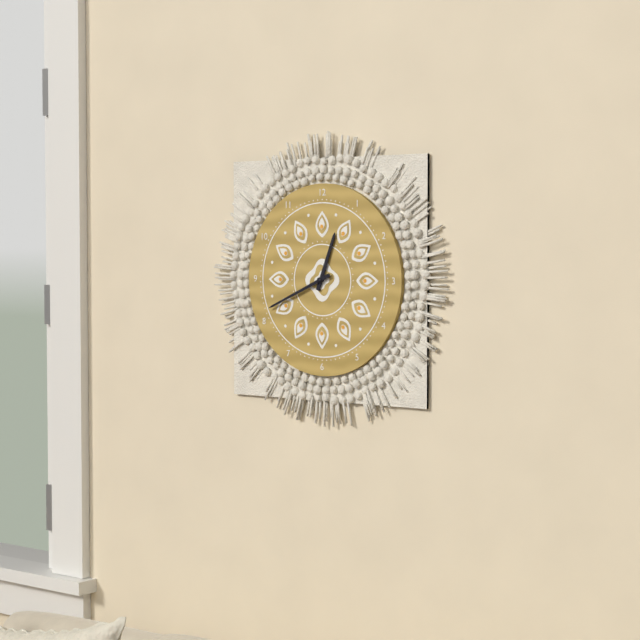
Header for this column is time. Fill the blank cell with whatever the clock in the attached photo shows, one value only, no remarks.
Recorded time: 12:41
